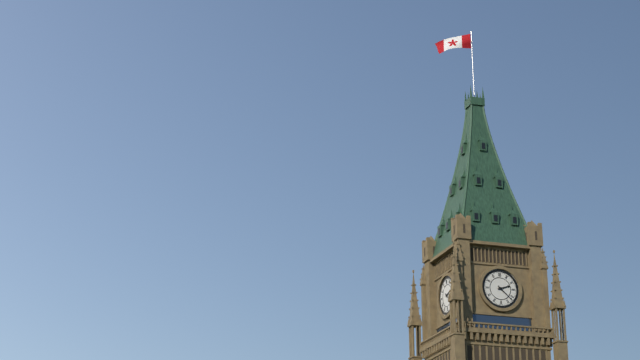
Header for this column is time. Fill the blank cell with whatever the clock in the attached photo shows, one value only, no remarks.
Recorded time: 2:22
